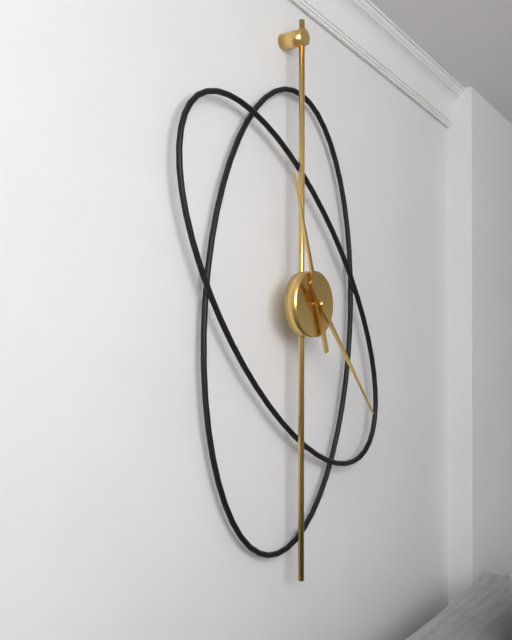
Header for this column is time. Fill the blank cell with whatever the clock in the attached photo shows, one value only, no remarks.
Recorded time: 11:23
